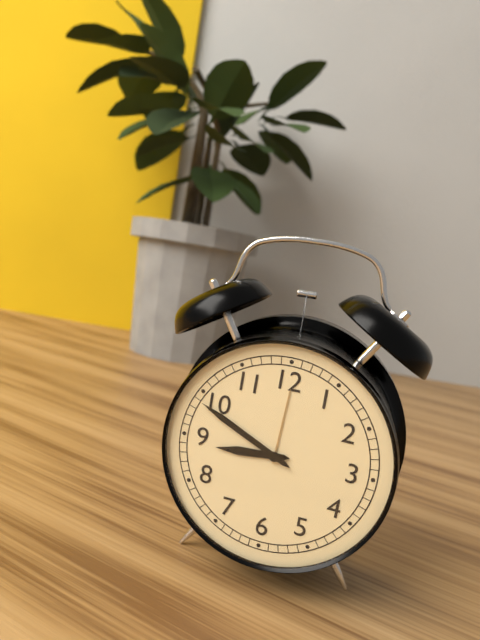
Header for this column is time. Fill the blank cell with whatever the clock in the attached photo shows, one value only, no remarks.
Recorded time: 8:49
